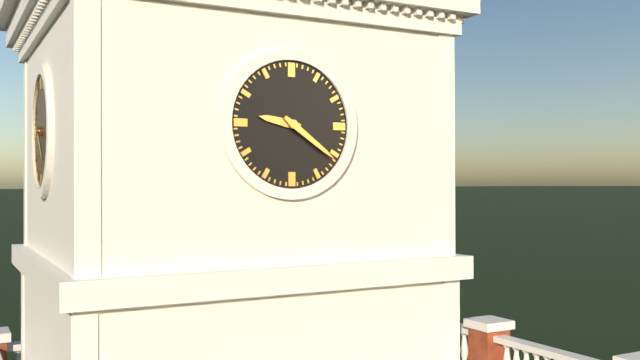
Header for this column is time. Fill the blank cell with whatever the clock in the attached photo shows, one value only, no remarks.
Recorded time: 9:21
